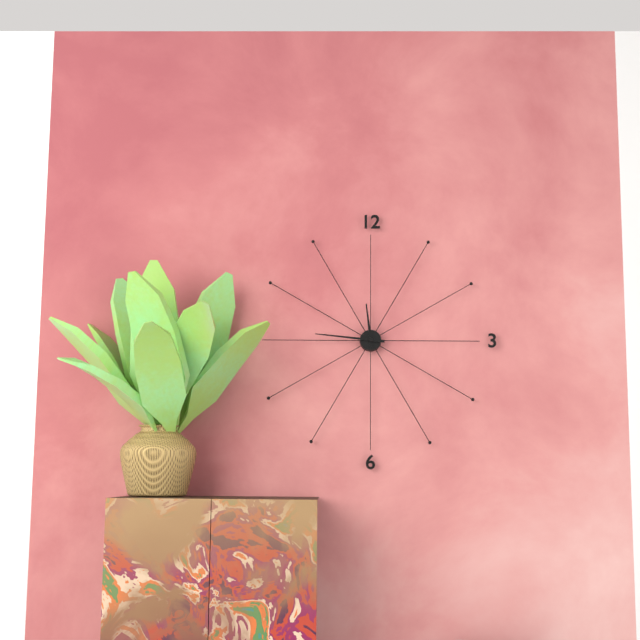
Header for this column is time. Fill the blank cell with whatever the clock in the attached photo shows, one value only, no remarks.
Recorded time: 11:46
